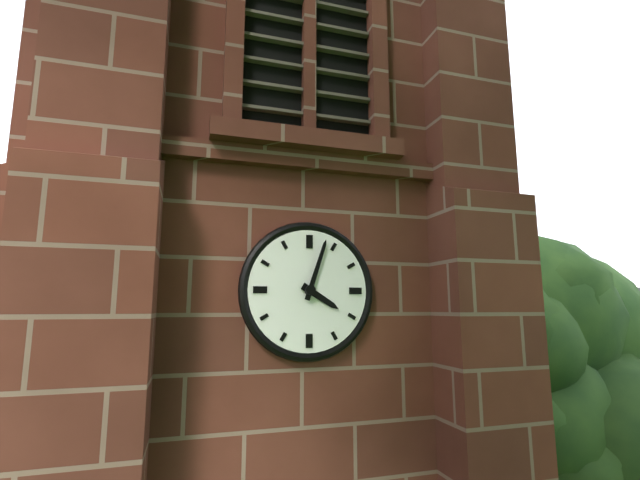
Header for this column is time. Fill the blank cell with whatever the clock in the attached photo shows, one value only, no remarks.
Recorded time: 4:03
